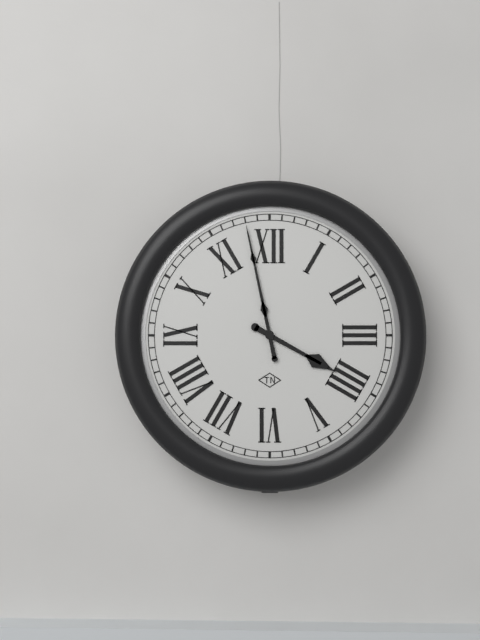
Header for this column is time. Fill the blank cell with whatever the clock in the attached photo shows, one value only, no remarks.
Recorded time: 3:58
